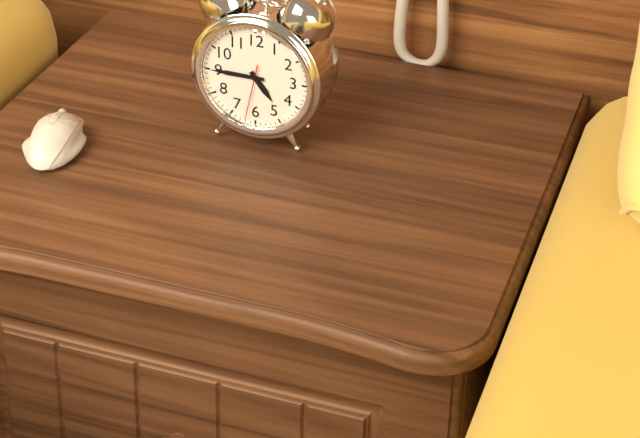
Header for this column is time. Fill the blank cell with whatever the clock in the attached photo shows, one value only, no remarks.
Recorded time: 4:45:32
